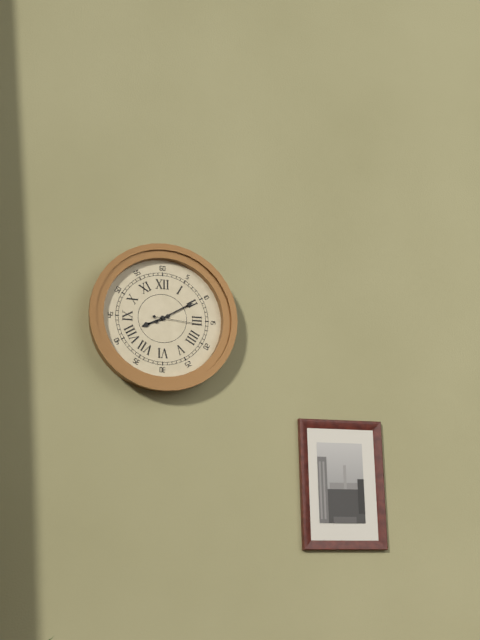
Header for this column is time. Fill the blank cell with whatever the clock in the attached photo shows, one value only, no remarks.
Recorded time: 8:10
